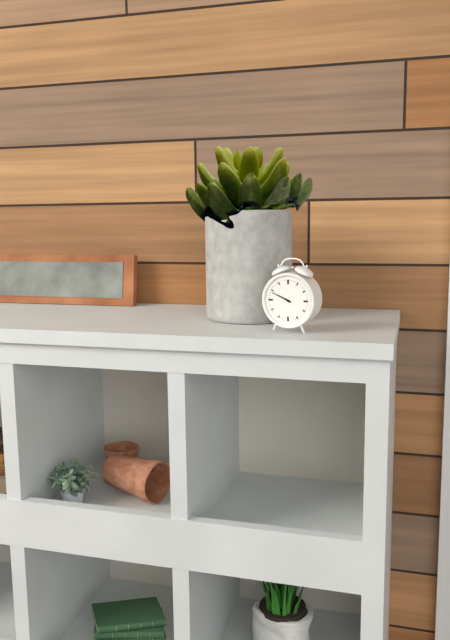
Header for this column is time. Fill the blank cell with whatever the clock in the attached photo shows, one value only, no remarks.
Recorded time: 9:49
